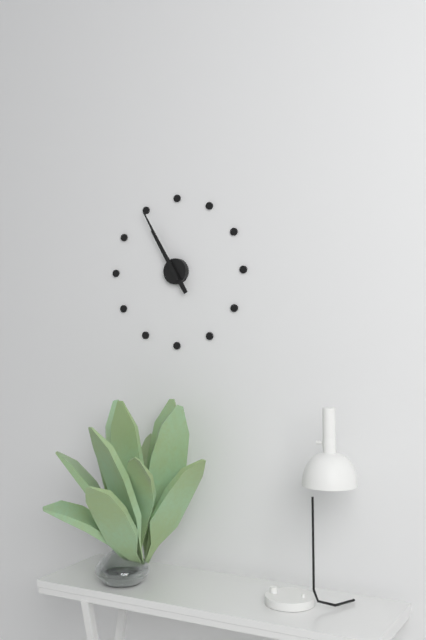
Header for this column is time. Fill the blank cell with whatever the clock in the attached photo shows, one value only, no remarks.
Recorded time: 10:55
